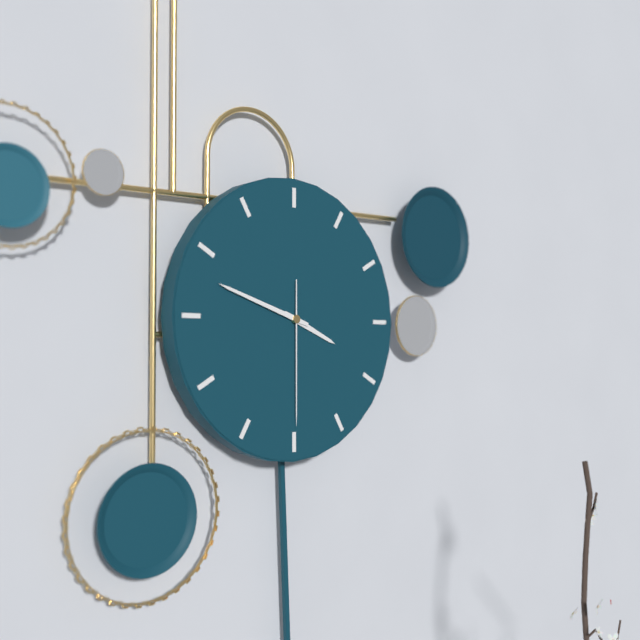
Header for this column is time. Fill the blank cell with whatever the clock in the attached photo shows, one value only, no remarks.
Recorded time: 3:48:30
